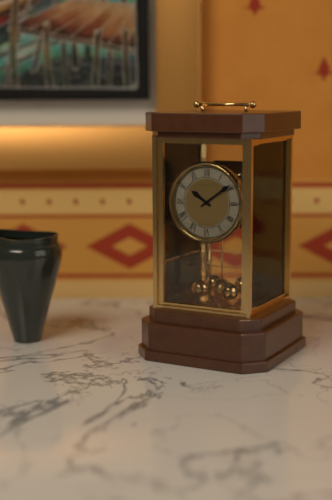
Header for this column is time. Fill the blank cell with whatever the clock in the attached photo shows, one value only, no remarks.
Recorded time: 10:09
